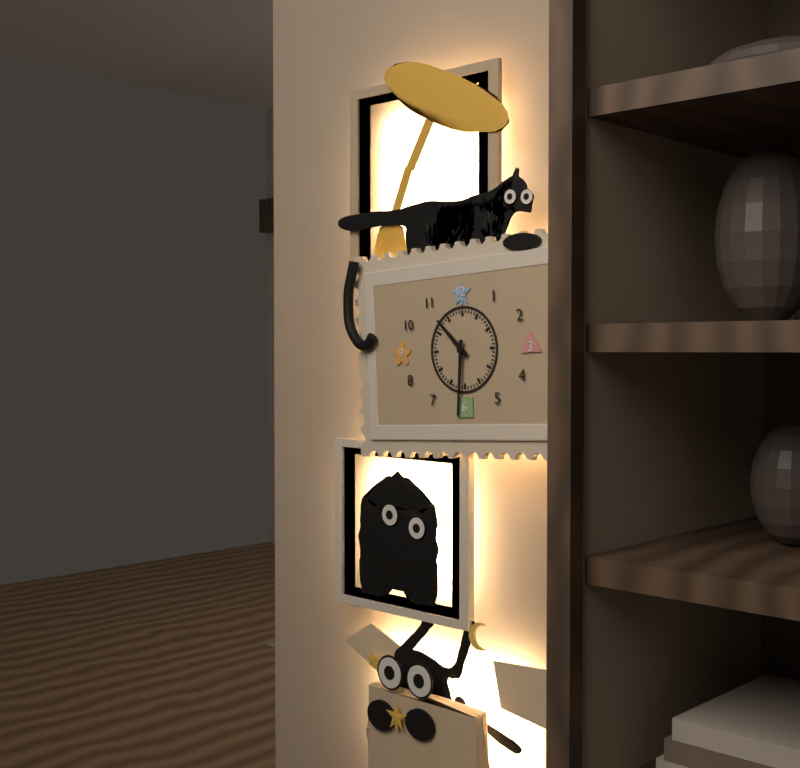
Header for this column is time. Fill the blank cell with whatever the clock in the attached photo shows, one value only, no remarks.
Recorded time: 10:31
